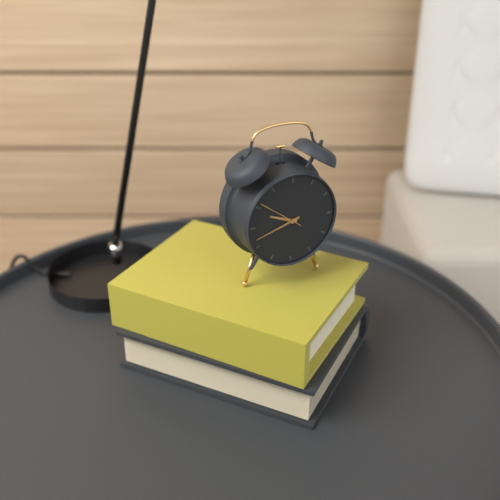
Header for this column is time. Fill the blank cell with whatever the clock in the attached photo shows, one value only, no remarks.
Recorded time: 9:42
